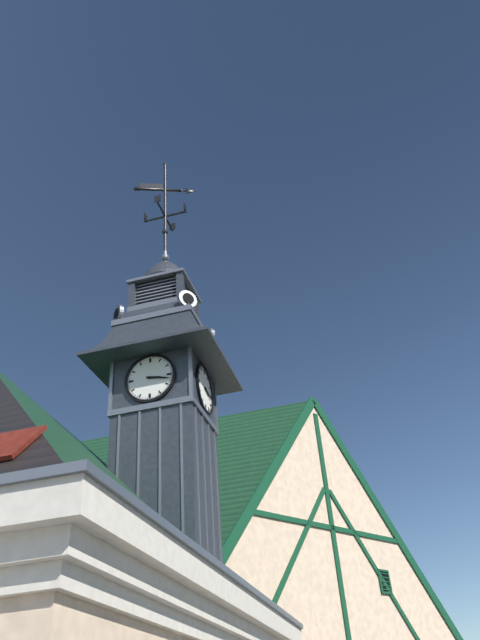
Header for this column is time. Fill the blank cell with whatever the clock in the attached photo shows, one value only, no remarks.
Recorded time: 3:17
